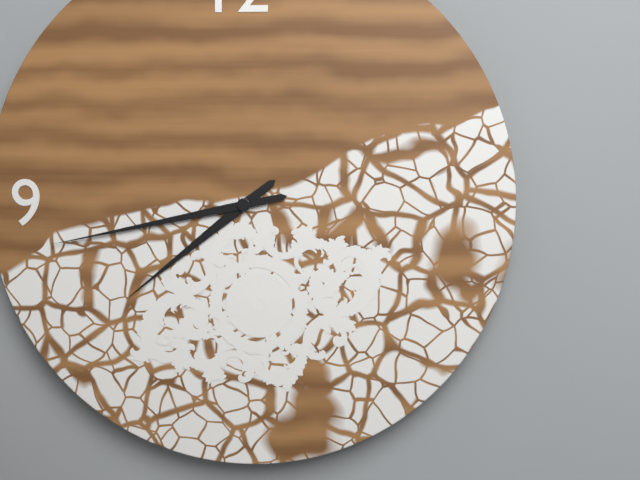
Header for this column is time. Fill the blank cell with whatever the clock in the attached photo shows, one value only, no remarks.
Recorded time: 7:43
